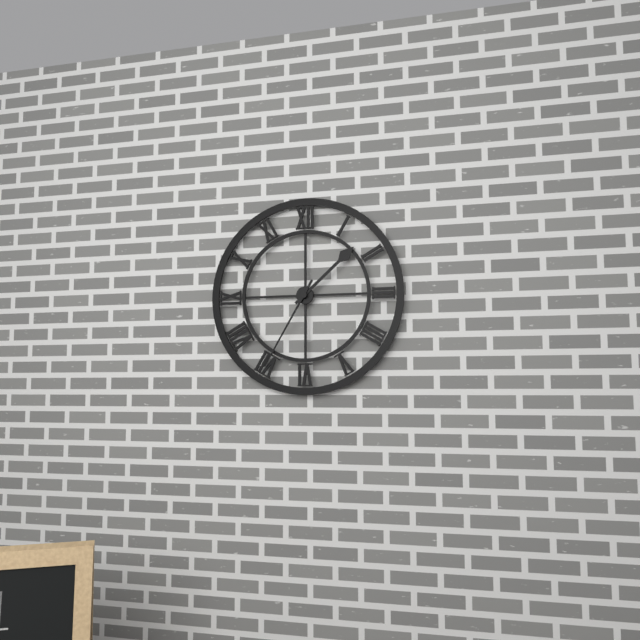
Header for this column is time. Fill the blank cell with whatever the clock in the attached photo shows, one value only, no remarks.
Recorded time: 1:35
